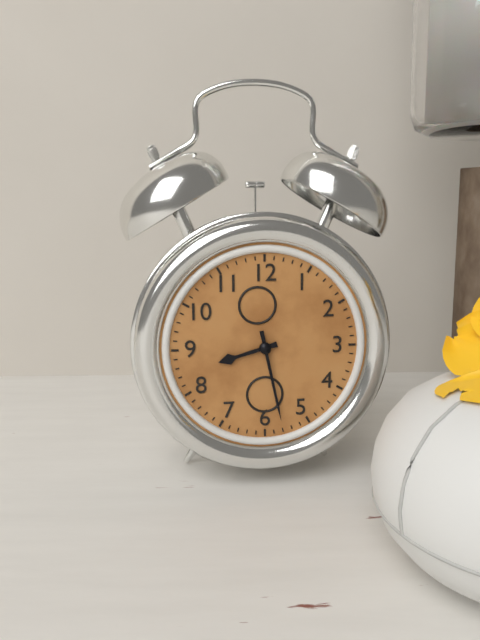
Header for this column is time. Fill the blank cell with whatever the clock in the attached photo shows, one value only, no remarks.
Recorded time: 8:28
